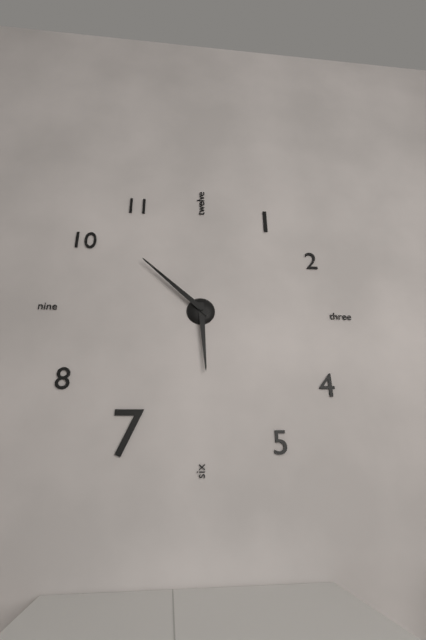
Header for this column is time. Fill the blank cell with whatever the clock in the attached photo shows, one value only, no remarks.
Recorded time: 5:52
